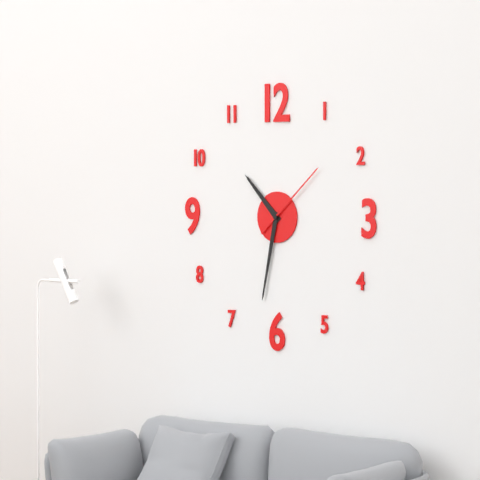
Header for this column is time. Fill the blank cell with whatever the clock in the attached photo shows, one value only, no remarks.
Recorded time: 10:32:08
